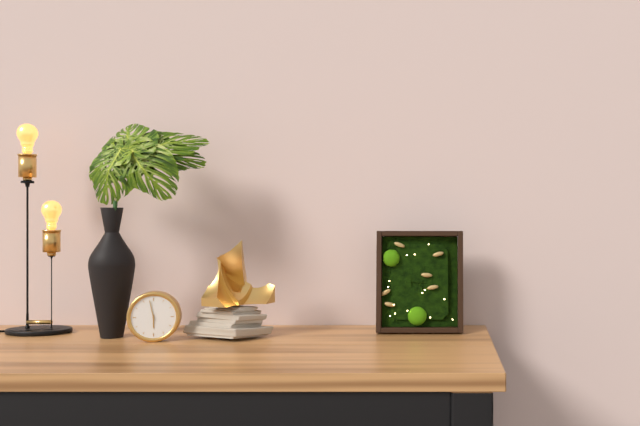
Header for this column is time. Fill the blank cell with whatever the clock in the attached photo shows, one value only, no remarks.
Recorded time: 5:58
